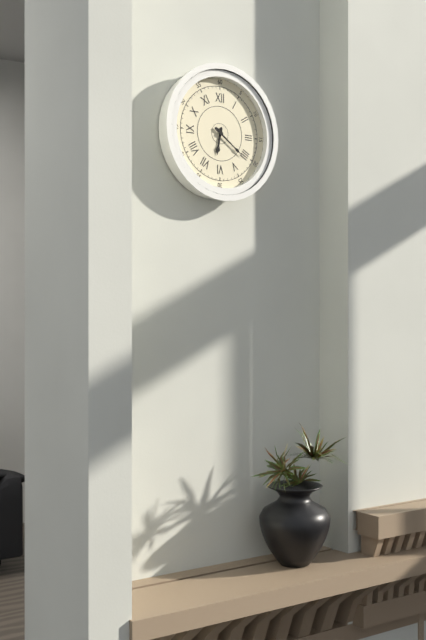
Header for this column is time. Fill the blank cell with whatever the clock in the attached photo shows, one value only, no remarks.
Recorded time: 6:21
